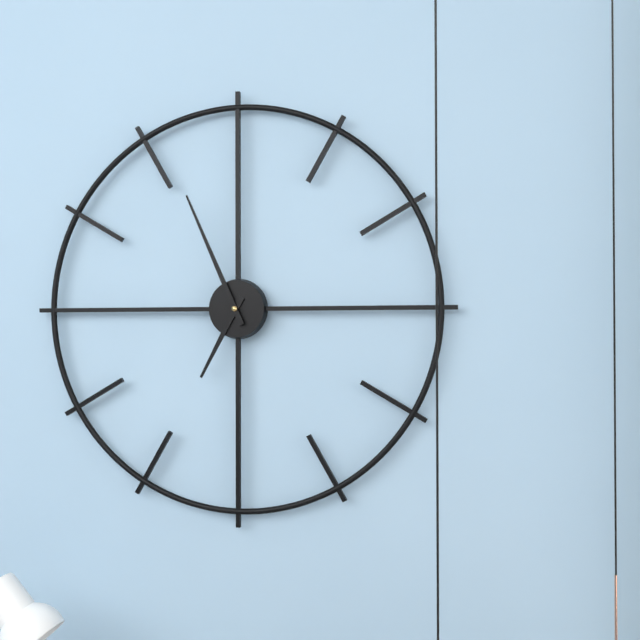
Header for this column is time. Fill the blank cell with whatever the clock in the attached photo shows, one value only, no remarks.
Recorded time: 6:56
